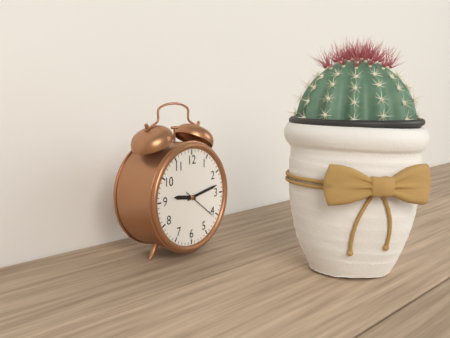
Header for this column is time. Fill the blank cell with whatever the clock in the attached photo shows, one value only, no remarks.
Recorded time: 9:13
